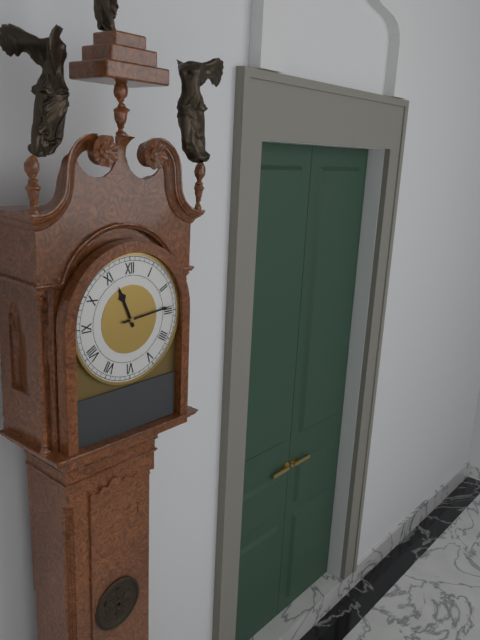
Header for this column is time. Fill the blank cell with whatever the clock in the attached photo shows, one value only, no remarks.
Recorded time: 11:14
